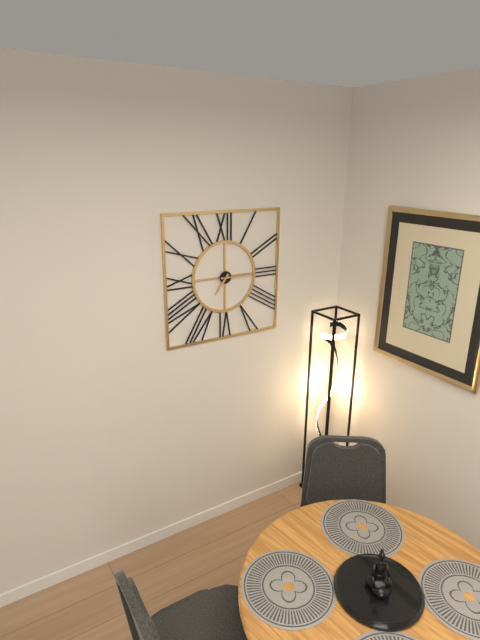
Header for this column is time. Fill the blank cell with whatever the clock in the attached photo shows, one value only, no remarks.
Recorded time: 7:15
